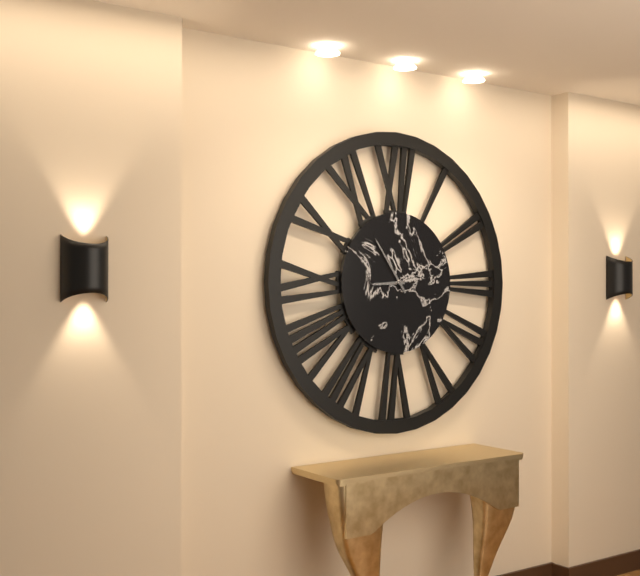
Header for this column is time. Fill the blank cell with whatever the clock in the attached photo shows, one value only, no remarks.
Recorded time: 8:54
